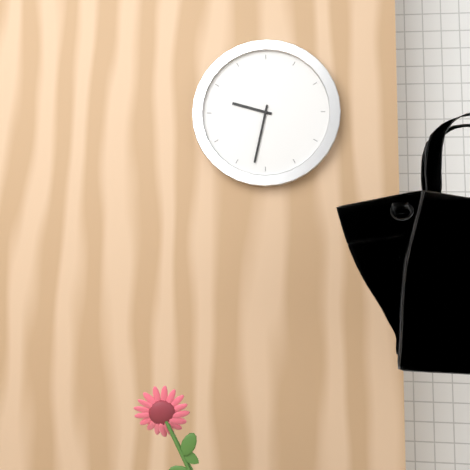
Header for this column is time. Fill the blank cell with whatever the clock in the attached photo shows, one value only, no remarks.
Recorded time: 9:32
